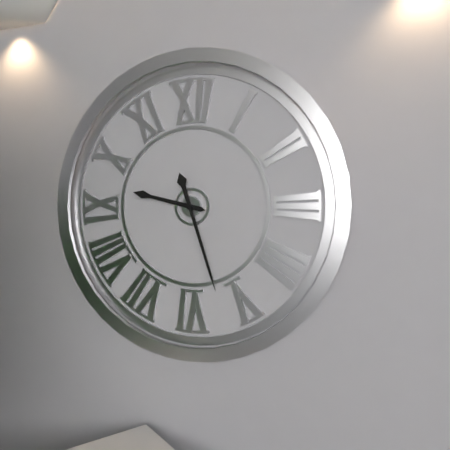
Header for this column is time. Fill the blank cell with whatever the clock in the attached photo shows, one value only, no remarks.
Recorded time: 9:27
